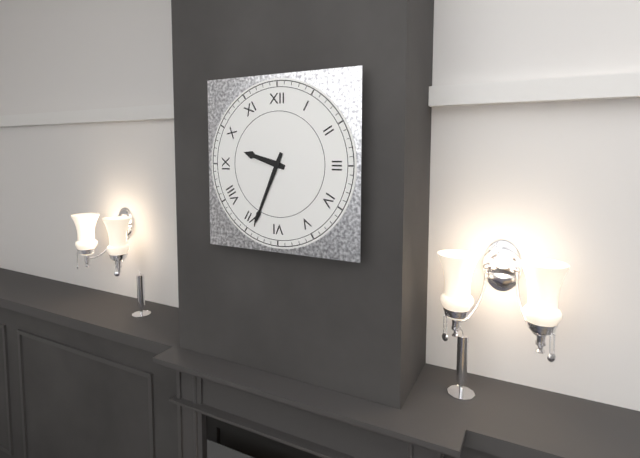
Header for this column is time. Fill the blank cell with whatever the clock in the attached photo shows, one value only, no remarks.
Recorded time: 9:34
